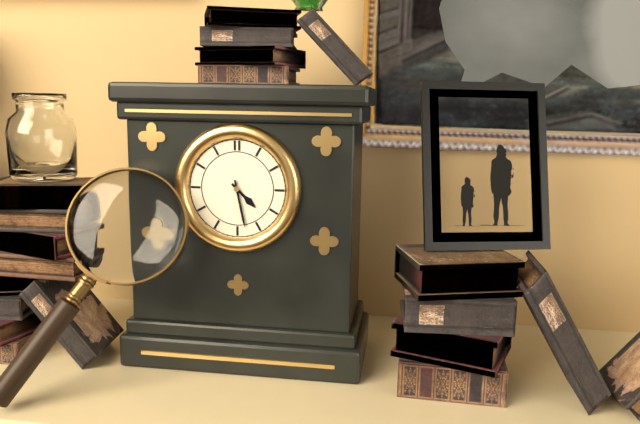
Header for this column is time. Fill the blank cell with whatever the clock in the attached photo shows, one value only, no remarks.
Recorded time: 4:28
